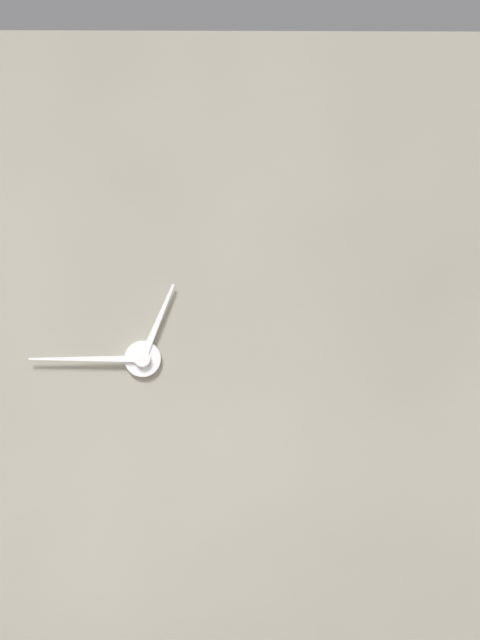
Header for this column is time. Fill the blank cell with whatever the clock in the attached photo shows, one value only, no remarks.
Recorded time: 12:45
